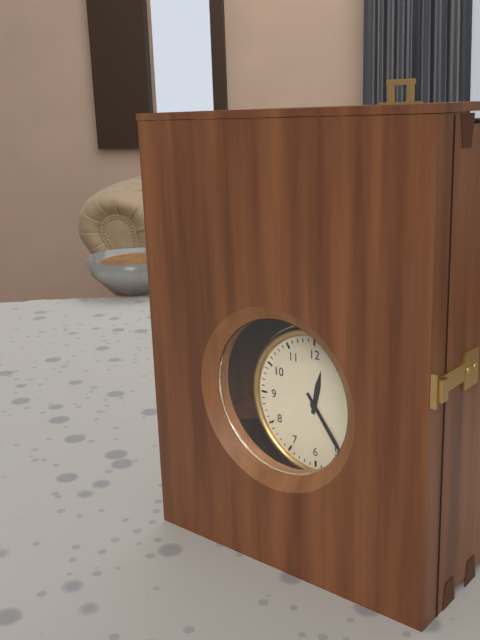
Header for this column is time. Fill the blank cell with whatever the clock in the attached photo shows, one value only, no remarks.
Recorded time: 12:24
